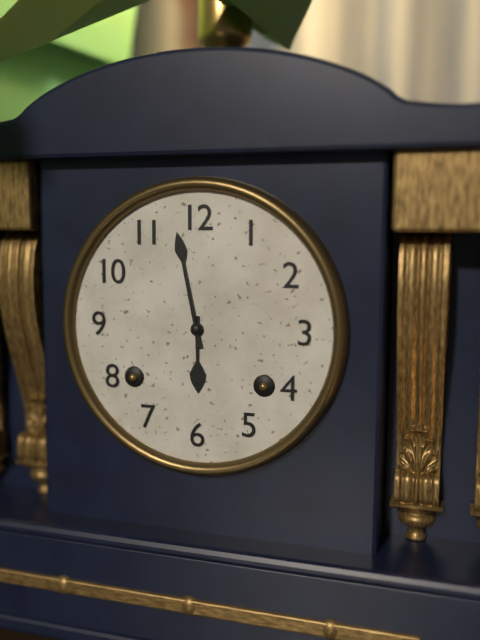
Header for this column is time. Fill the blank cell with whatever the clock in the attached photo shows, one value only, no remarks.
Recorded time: 5:58
